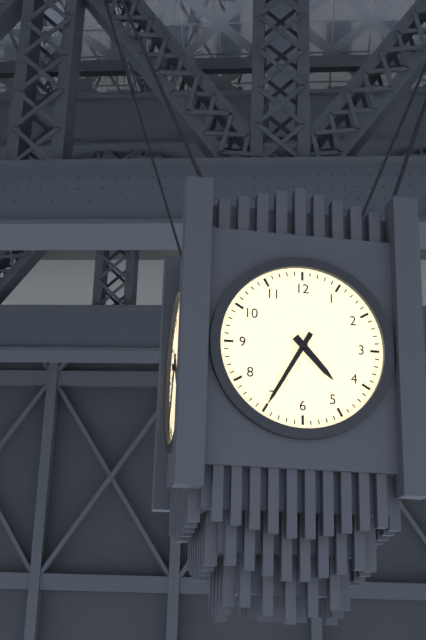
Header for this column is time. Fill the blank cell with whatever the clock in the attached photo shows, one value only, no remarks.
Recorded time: 4:35
